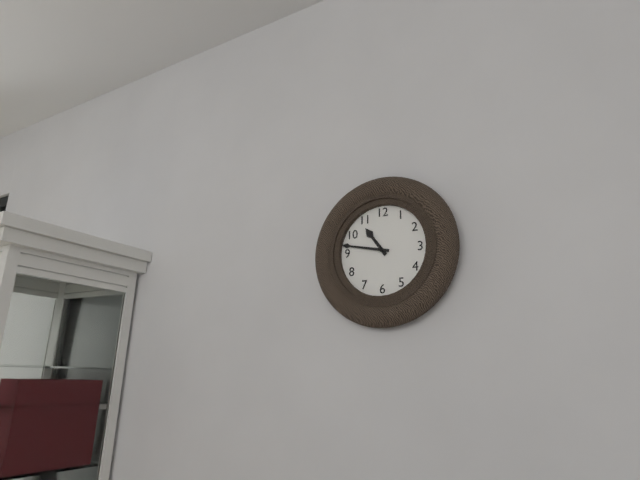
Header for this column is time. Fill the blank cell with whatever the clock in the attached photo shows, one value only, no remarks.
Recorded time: 10:47
